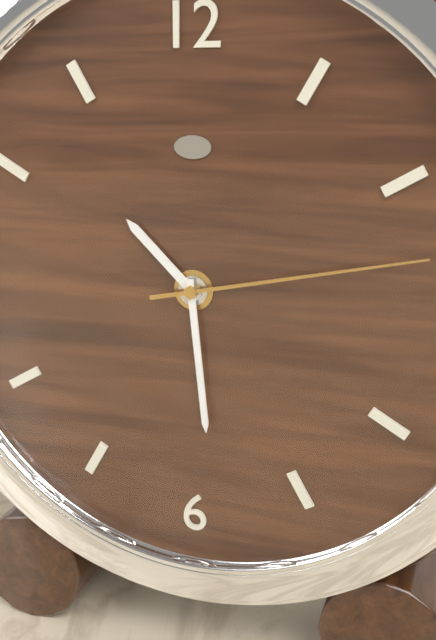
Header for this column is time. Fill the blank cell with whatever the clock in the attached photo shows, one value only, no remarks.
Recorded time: 10:29:13
